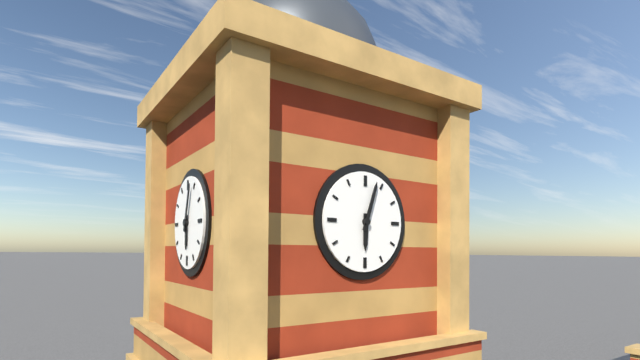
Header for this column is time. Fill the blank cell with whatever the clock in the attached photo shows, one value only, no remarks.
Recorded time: 6:03
